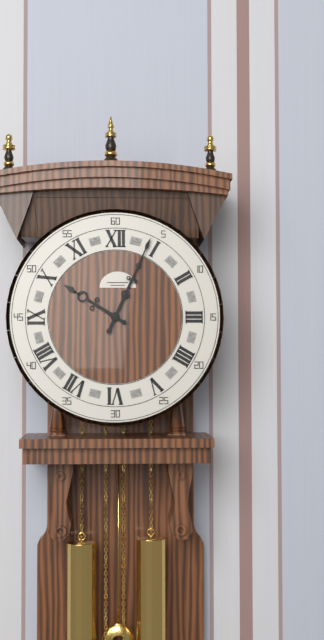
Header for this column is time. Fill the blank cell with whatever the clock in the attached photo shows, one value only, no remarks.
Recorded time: 10:04
